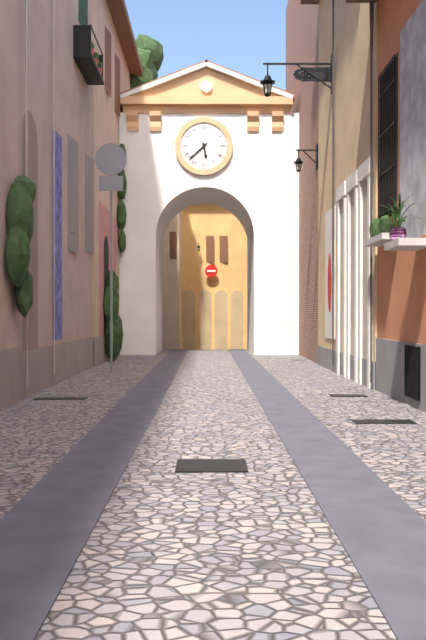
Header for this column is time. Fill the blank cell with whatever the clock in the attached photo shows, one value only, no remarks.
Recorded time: 5:38
